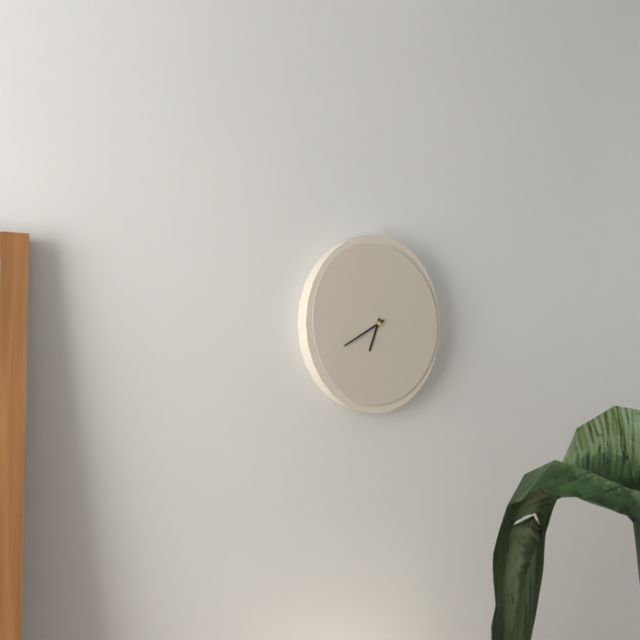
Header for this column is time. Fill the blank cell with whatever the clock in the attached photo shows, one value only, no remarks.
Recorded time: 6:40
